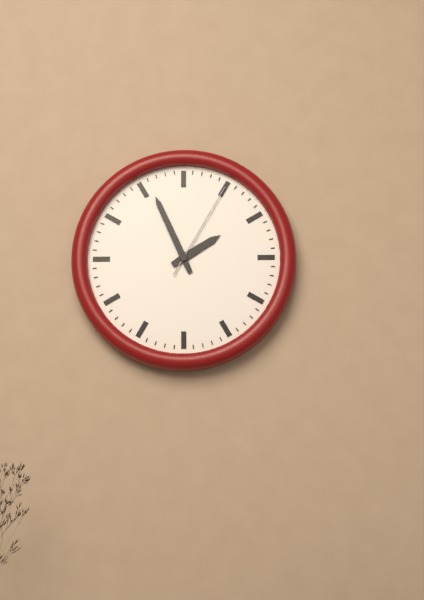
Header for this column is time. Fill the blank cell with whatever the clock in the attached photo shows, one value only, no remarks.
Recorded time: 1:56:05
